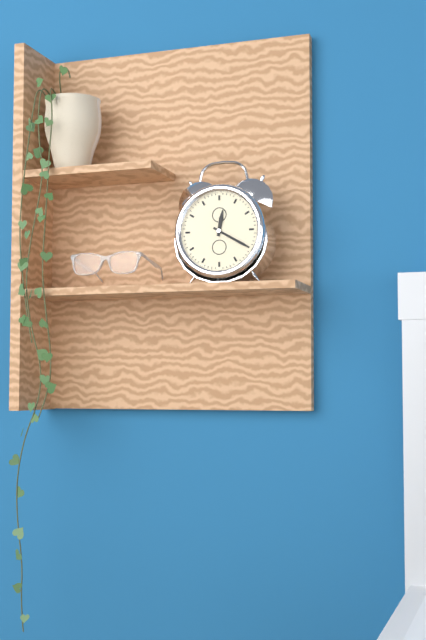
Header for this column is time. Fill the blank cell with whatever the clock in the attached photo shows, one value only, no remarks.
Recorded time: 12:20
